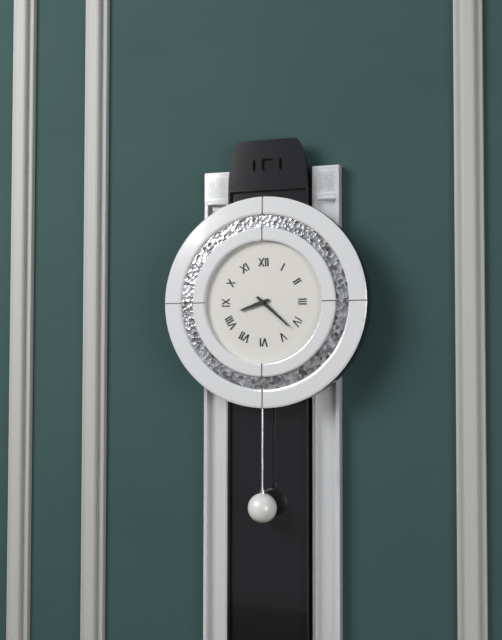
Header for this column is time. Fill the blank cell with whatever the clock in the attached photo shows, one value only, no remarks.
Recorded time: 8:22
